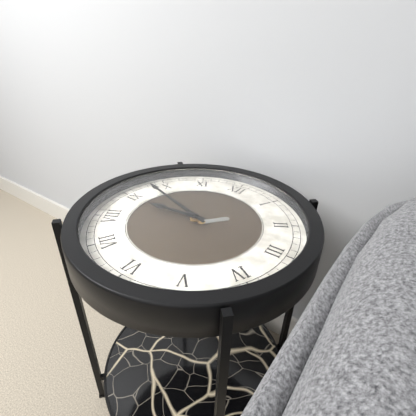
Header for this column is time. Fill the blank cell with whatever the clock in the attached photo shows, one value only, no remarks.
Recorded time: 8:48
